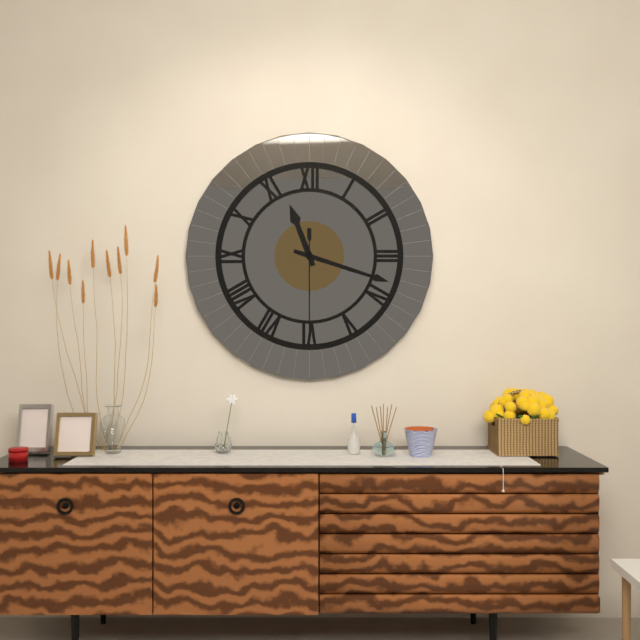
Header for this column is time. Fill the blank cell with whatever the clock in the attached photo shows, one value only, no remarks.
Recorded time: 11:18:30
